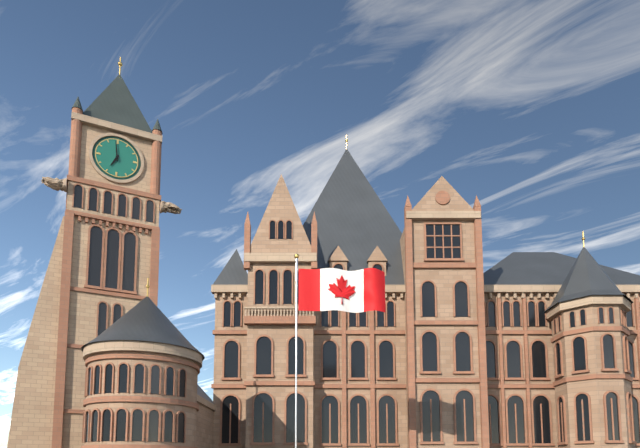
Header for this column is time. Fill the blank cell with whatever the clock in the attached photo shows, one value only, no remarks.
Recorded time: 6:59
